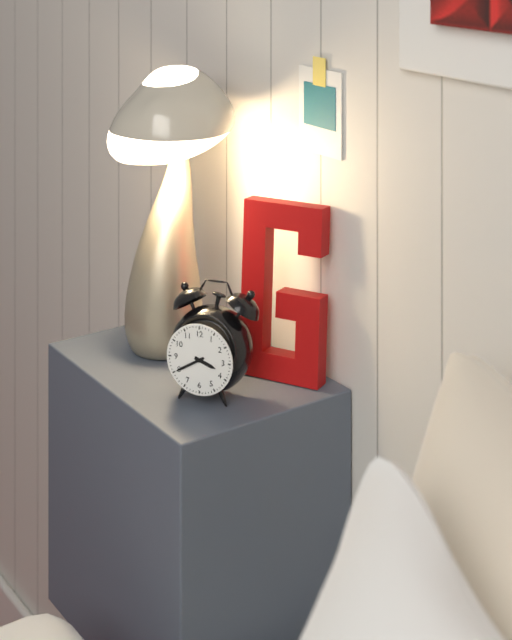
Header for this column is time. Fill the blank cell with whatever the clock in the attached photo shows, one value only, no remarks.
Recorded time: 3:40
